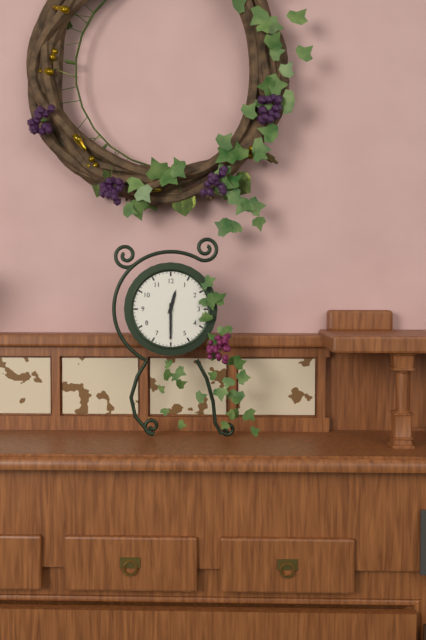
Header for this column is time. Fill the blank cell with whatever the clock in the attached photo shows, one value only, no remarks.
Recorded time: 12:30
